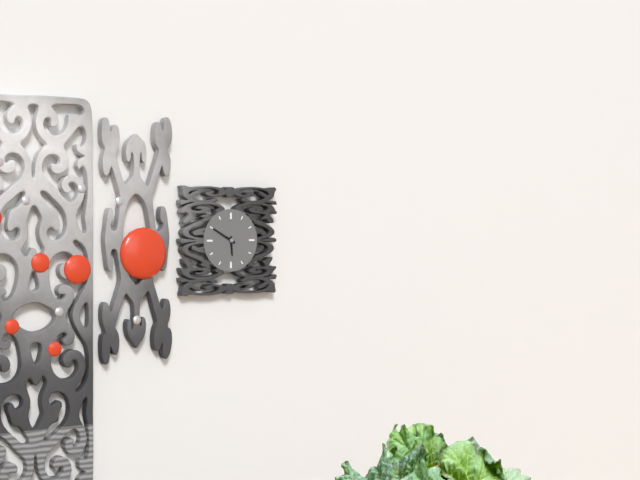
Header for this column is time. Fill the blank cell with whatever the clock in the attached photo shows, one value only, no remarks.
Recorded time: 5:50
